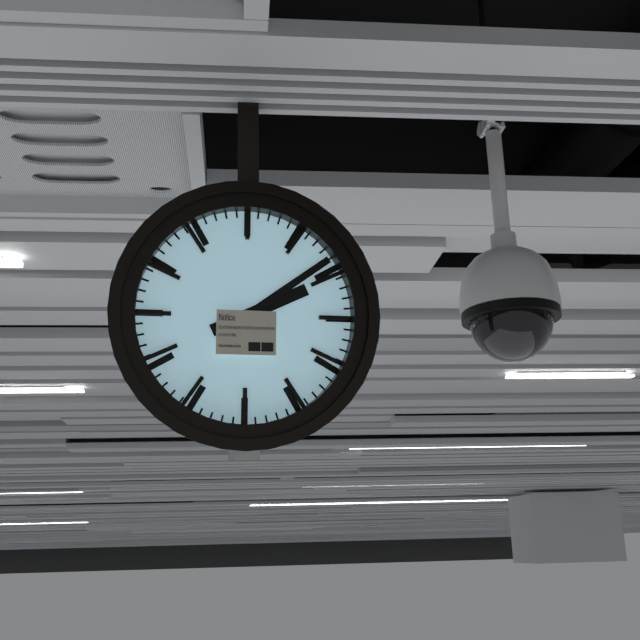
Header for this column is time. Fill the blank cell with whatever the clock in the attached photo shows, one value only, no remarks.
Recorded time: 2:09
